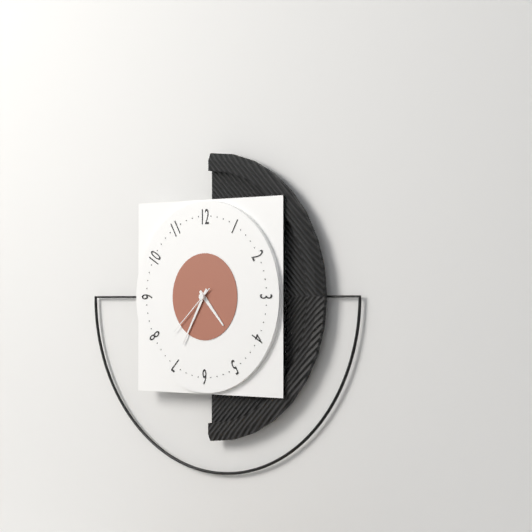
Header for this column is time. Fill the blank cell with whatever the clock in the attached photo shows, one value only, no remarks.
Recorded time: 4:35:38
